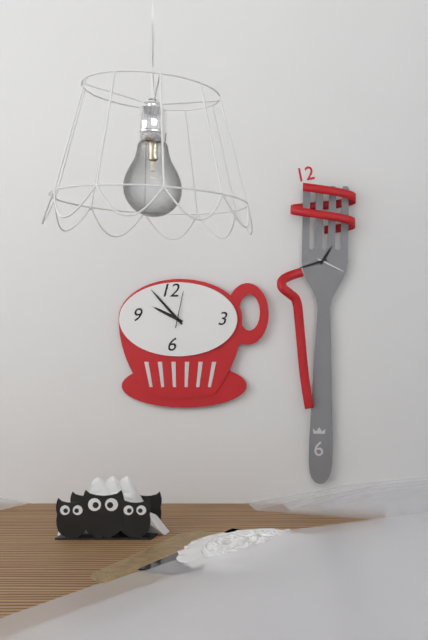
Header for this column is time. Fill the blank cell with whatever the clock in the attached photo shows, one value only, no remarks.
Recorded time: 9:53
